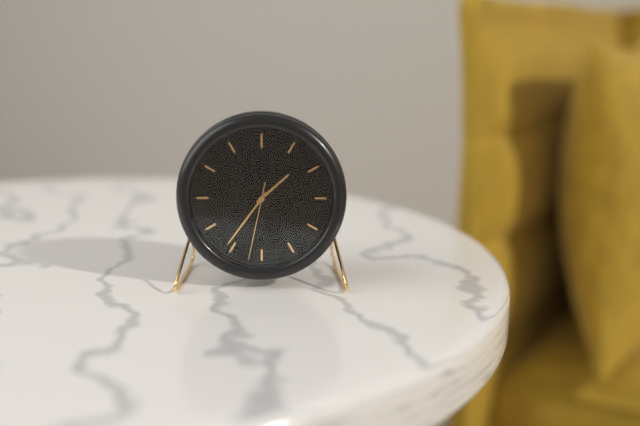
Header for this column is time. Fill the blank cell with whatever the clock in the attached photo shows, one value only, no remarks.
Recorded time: 1:36:32
